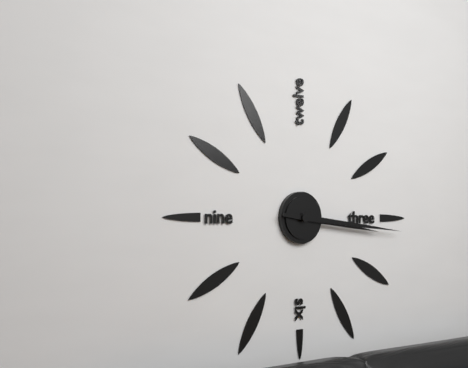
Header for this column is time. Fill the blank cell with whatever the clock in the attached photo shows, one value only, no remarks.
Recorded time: 3:16
